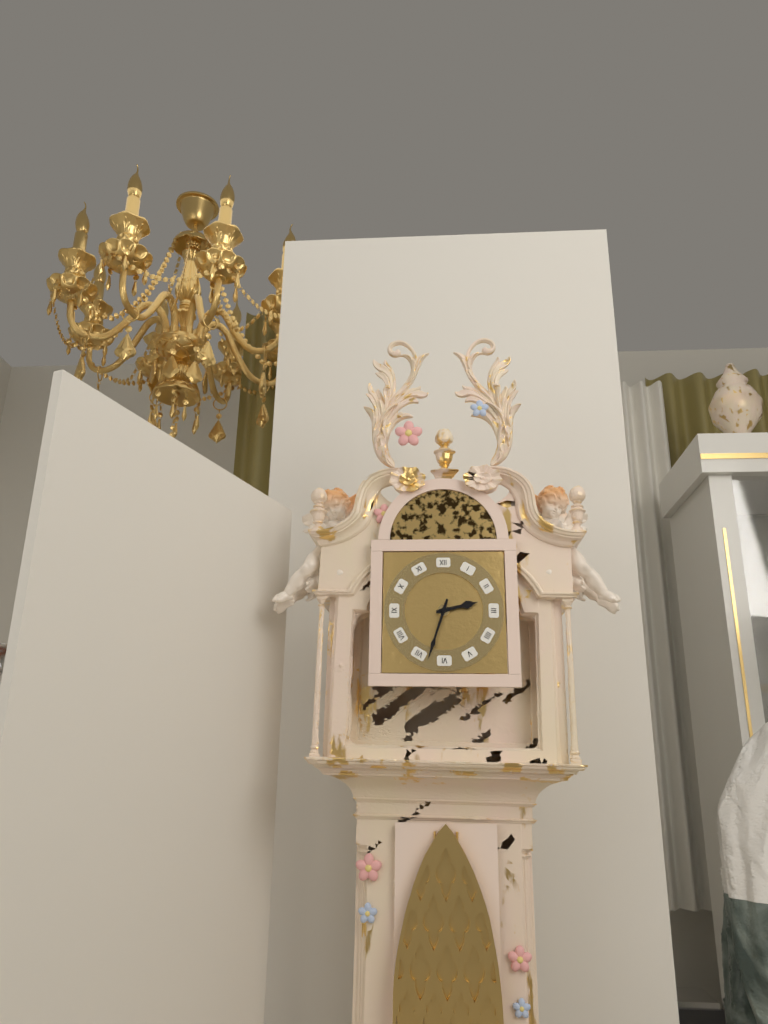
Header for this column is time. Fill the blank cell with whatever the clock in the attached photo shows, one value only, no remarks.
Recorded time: 2:33
